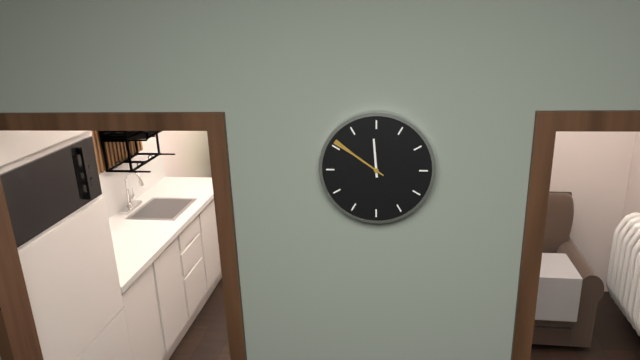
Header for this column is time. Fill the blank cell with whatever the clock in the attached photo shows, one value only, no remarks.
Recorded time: 11:51
